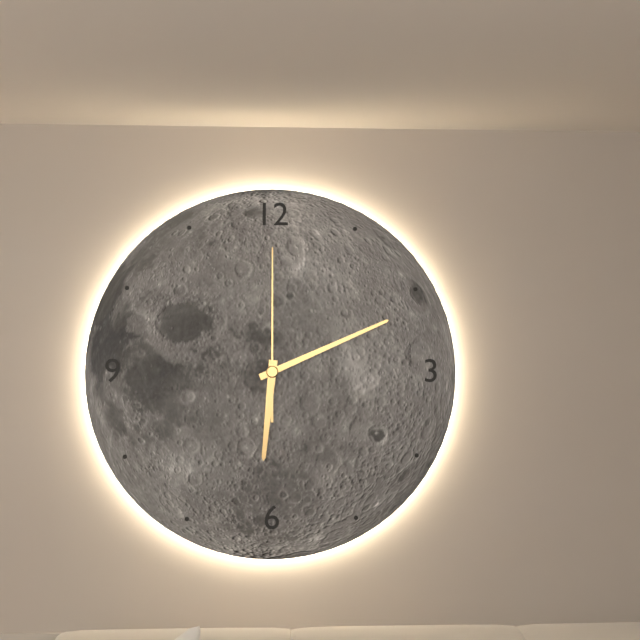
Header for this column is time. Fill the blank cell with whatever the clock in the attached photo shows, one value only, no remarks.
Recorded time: 6:11:00
